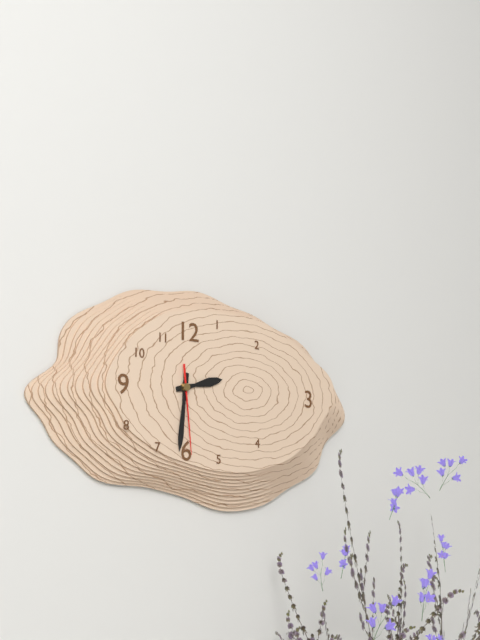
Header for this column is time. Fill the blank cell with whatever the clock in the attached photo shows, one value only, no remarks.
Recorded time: 2:31:29
